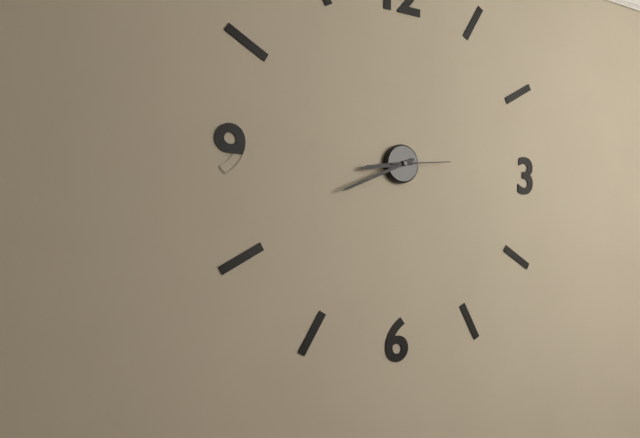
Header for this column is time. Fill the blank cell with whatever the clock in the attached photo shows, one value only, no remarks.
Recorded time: 8:41:14
